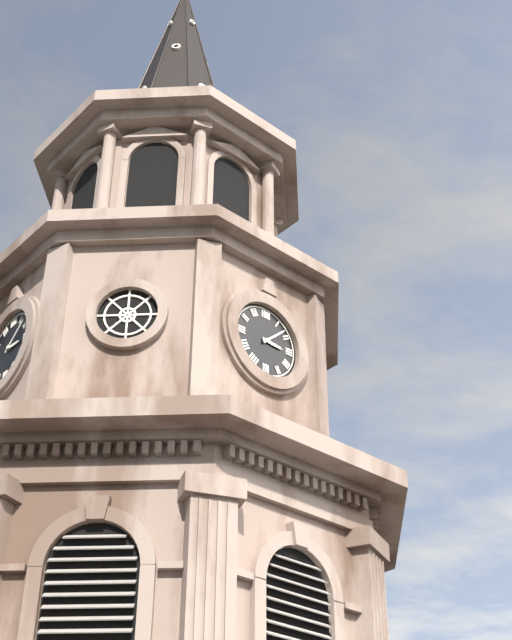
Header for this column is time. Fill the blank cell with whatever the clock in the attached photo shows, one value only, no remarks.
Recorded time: 3:08
